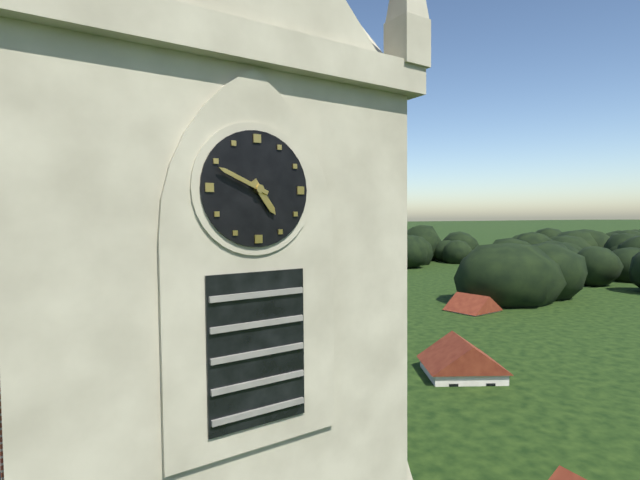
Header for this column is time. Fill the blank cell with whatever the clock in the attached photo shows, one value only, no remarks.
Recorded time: 4:49
